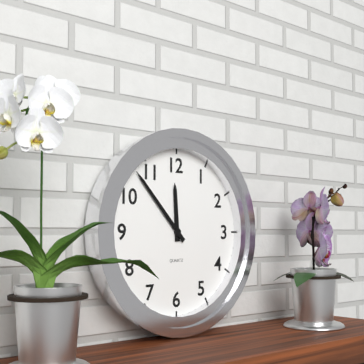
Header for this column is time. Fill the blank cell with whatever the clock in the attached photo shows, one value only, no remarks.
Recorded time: 11:53
